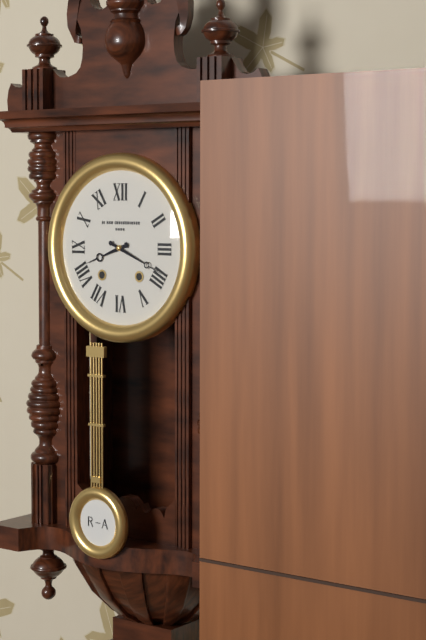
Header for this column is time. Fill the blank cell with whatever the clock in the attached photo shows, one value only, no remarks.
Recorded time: 8:19
